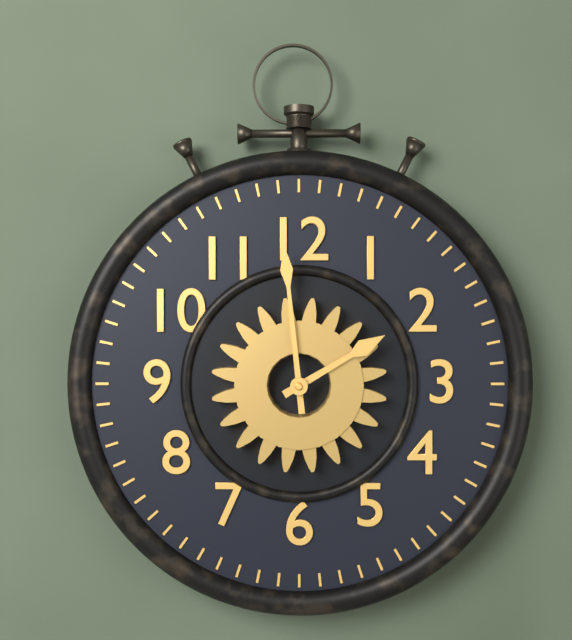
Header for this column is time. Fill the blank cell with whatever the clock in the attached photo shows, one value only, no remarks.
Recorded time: 1:59
